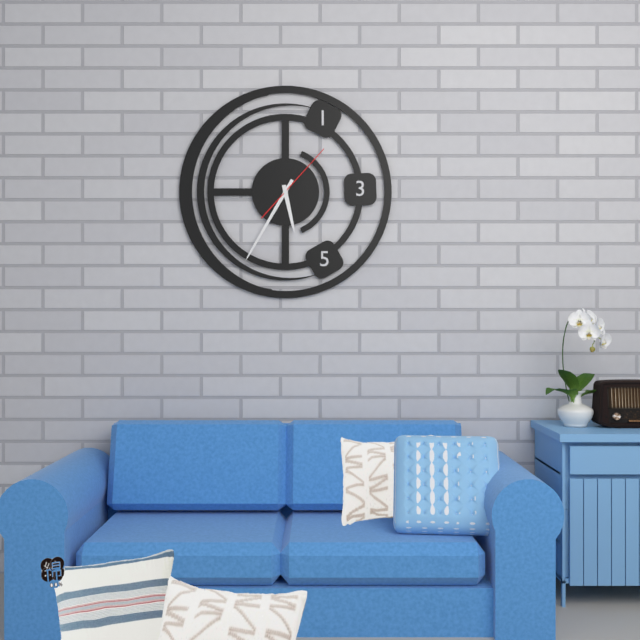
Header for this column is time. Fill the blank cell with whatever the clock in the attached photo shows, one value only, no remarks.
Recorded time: 5:35:07
